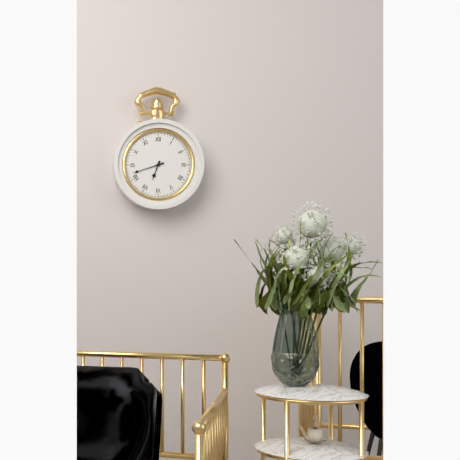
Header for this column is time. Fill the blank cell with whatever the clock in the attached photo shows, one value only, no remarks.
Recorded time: 6:42
